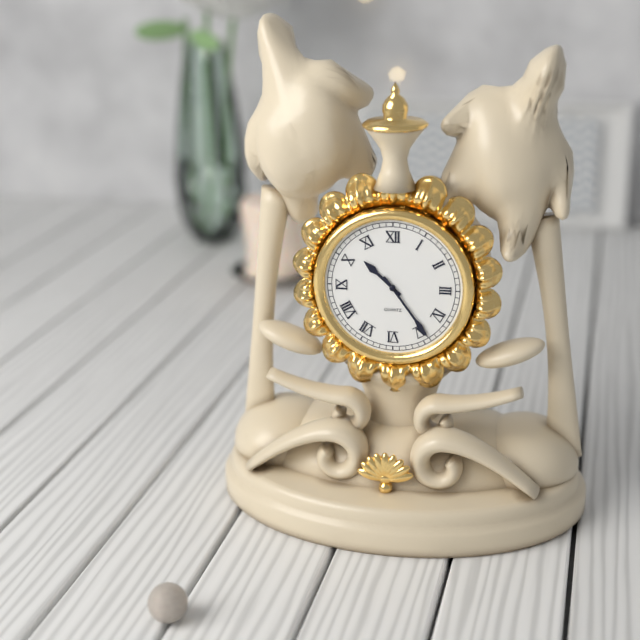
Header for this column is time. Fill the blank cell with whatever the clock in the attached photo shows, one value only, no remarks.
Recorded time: 10:24
